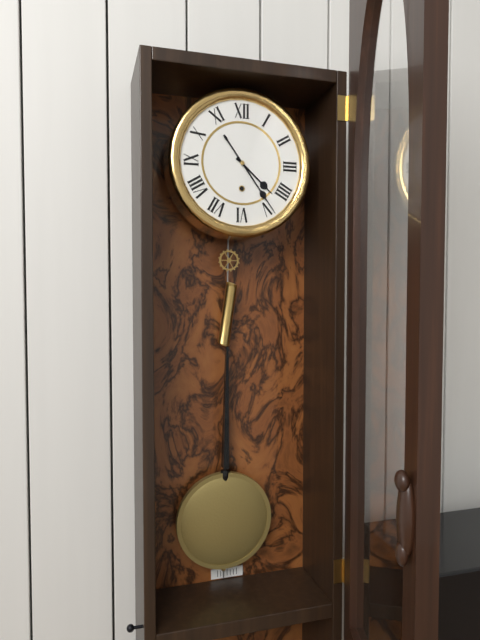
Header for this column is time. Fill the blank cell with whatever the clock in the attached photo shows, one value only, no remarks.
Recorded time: 4:24
